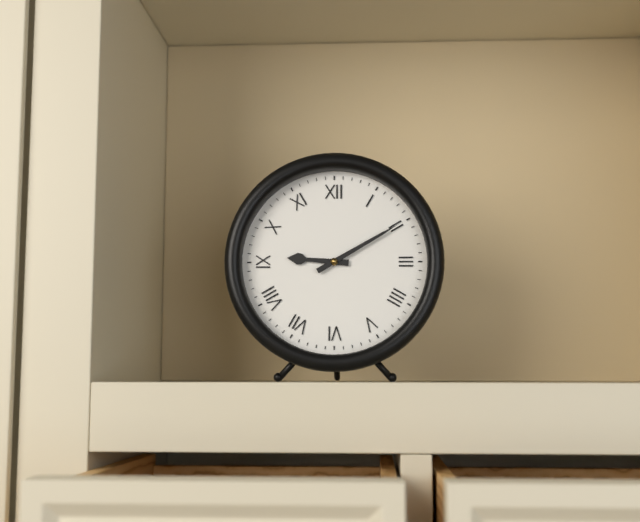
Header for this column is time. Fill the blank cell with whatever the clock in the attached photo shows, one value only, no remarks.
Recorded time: 9:10
